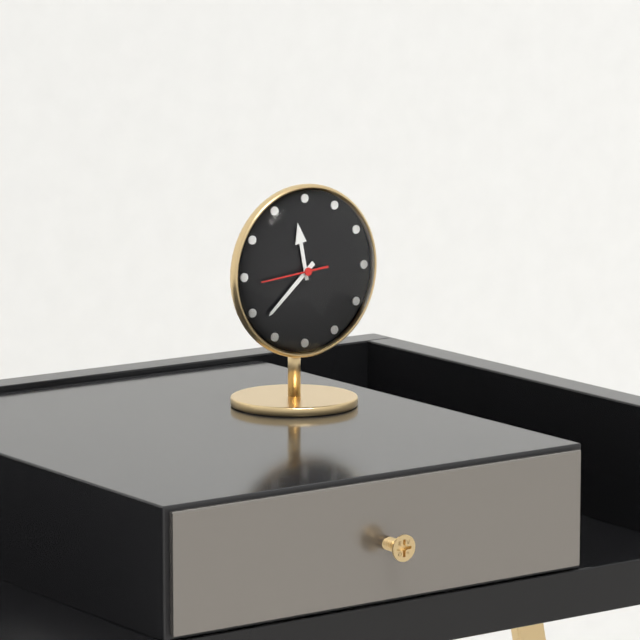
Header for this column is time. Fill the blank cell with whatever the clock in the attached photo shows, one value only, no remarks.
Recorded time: 11:38:44
